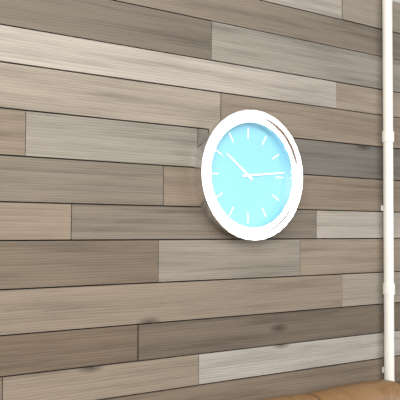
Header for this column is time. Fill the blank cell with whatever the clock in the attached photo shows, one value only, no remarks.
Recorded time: 10:14
